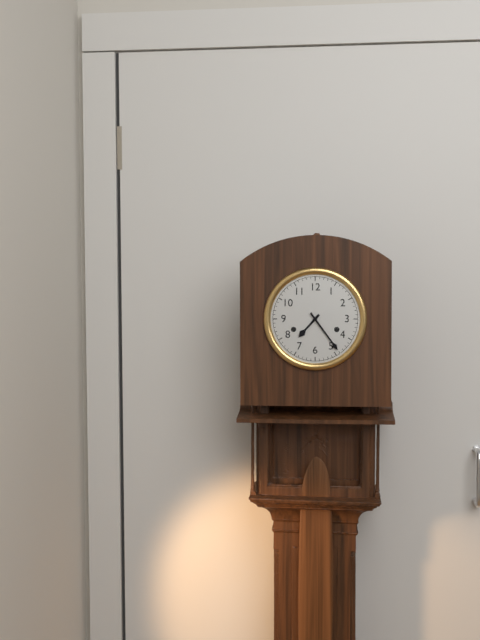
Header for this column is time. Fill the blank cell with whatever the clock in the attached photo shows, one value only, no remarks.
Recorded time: 7:24
